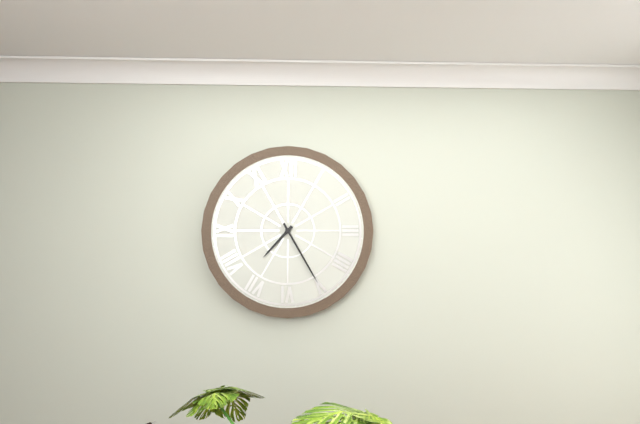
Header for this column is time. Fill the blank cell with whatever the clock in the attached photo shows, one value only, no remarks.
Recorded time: 7:25
